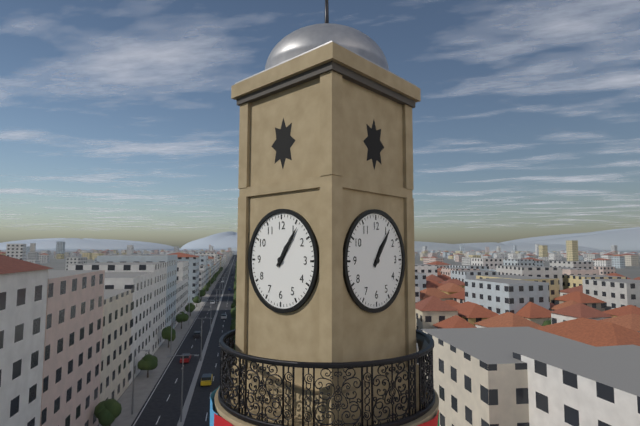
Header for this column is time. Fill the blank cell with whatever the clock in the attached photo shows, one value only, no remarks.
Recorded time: 1:06
